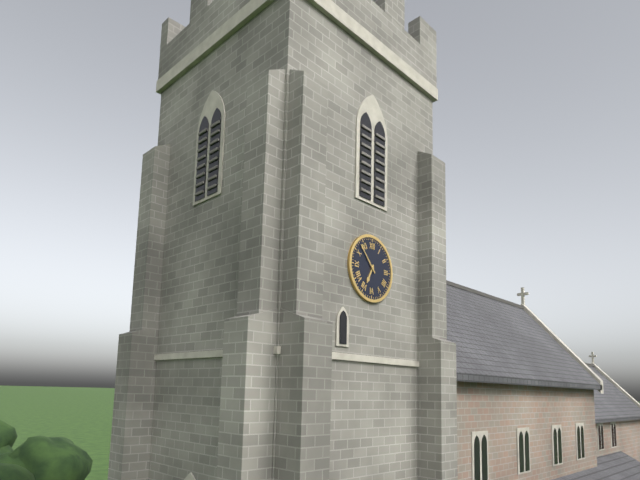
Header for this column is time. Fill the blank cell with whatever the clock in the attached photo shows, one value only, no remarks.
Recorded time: 6:53
